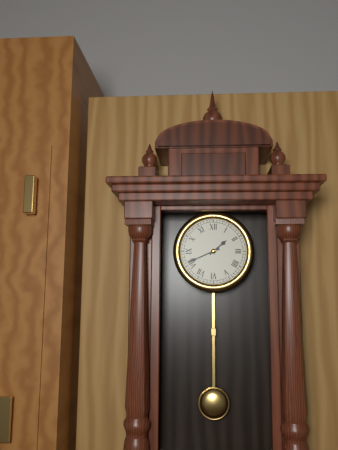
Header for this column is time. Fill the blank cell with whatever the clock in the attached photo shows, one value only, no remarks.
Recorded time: 1:41
